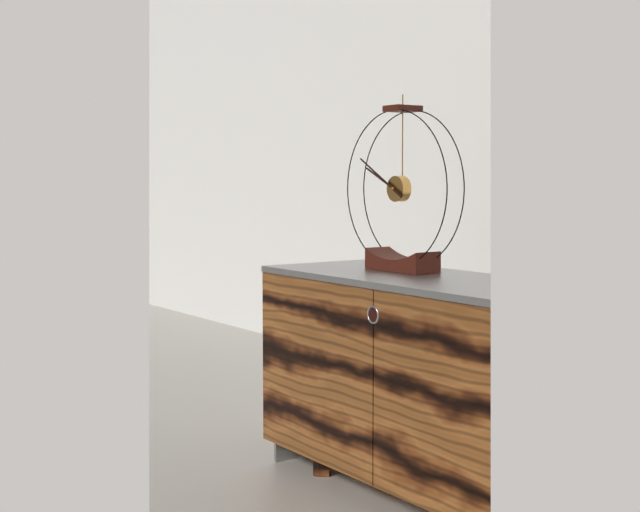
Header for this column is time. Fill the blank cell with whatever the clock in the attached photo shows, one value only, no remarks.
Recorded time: 9:50
